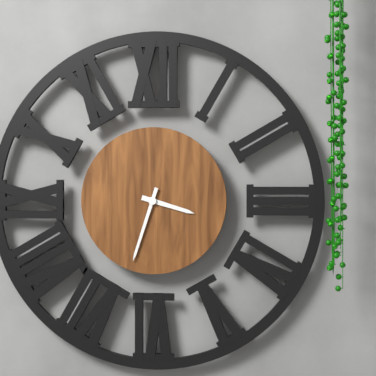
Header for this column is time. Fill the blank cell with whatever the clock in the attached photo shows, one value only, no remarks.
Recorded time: 3:33
